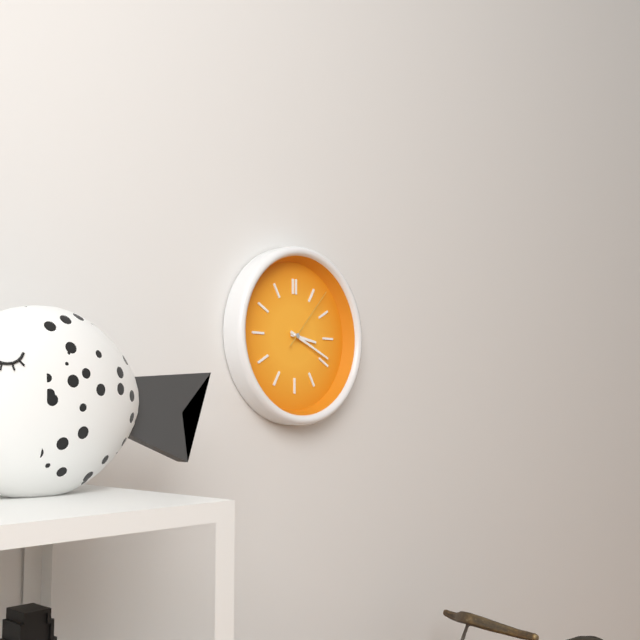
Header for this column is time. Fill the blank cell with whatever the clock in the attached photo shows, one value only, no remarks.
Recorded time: 3:19:07
